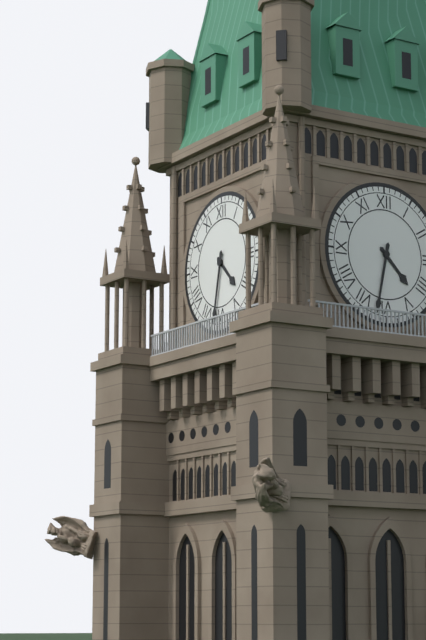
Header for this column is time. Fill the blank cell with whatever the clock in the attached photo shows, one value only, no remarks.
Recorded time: 4:32
